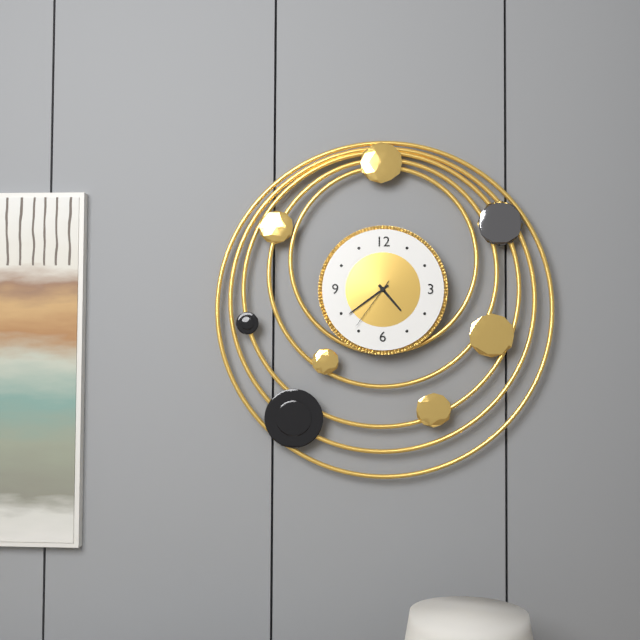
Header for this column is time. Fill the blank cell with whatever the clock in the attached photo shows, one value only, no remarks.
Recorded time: 4:39:36
